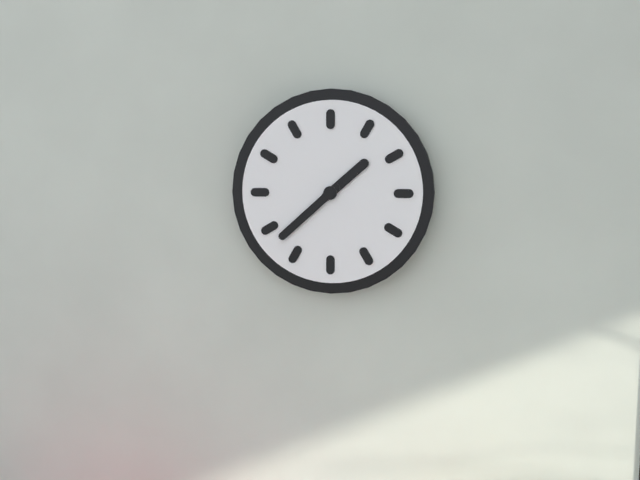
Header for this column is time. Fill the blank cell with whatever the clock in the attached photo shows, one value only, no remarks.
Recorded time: 1:38
